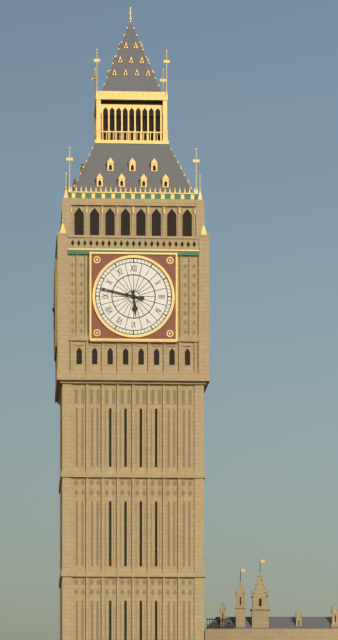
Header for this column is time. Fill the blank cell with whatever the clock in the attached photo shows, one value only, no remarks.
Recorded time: 5:47
